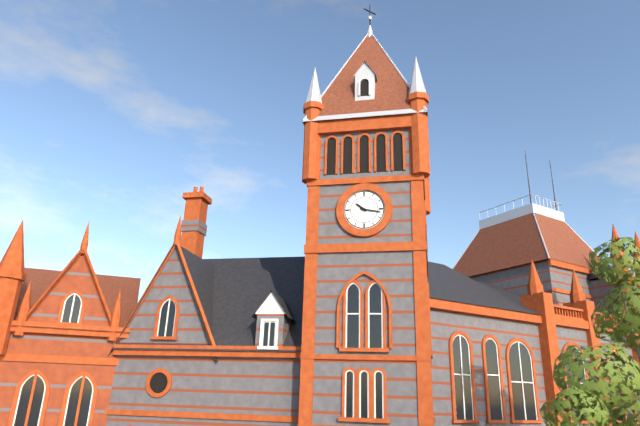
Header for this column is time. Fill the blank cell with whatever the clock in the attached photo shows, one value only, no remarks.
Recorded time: 10:17
